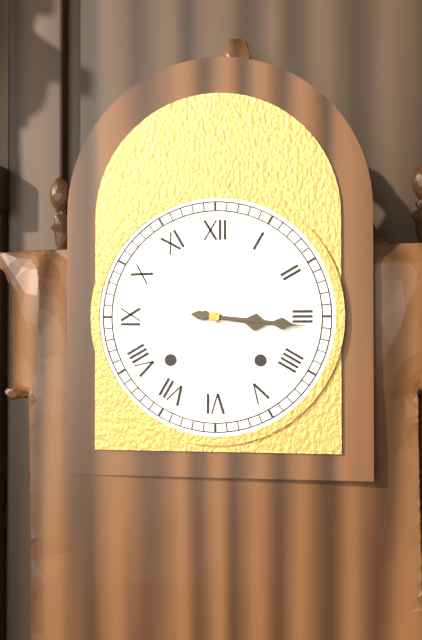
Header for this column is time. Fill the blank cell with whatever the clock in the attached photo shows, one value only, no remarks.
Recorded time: 3:16
